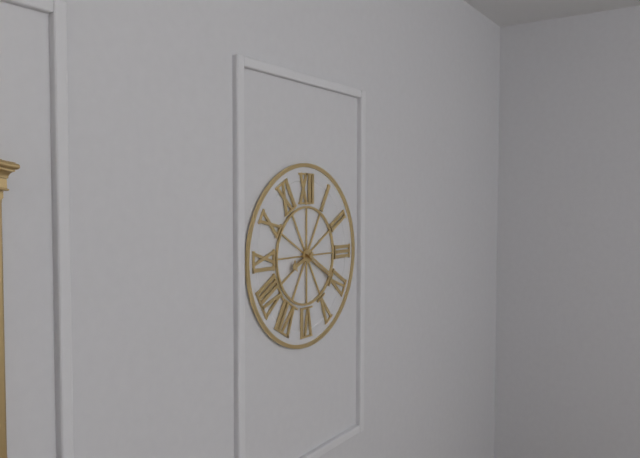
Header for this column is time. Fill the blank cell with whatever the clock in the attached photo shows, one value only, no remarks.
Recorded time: 8:20
